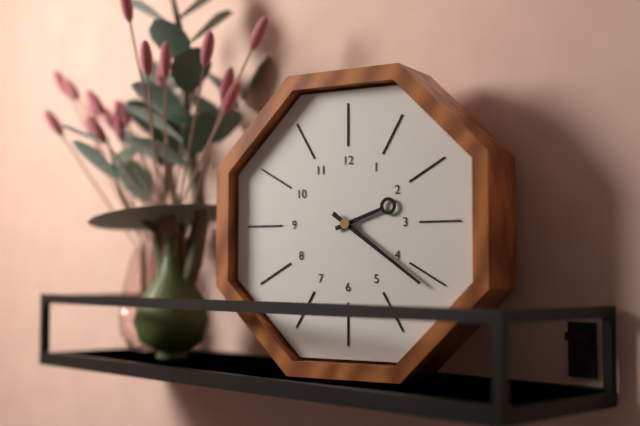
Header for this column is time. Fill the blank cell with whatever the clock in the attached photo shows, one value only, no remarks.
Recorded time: 2:21
